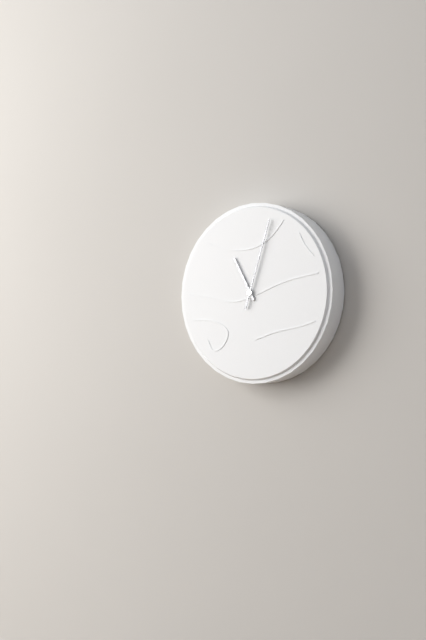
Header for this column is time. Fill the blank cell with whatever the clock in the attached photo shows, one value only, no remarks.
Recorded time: 11:03
